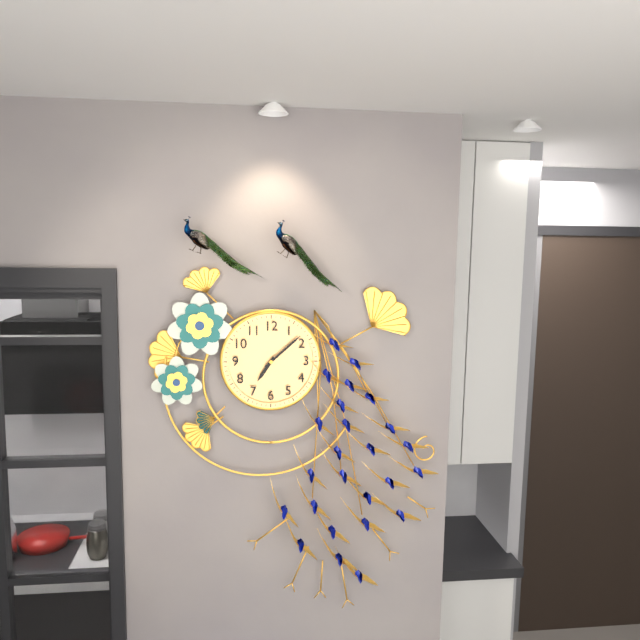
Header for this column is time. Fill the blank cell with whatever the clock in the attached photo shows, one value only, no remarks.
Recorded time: 7:08
